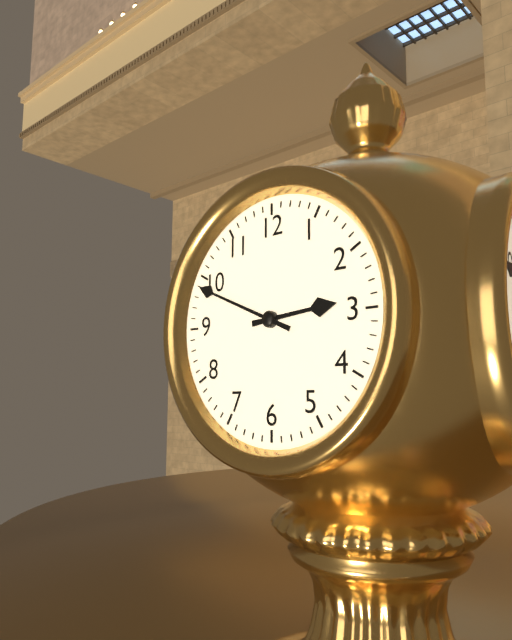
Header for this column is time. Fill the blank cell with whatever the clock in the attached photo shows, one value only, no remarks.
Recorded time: 2:49
